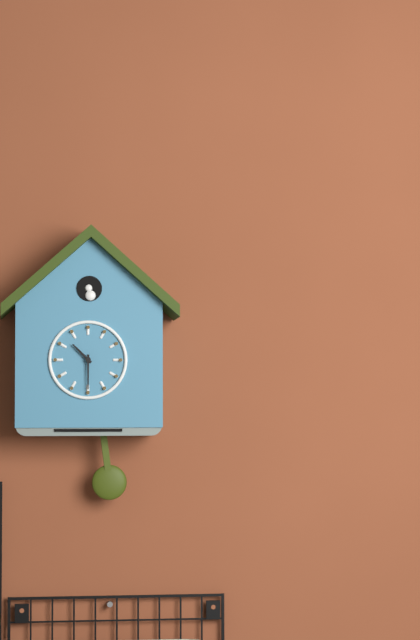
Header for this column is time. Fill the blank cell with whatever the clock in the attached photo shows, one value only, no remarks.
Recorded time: 10:30
